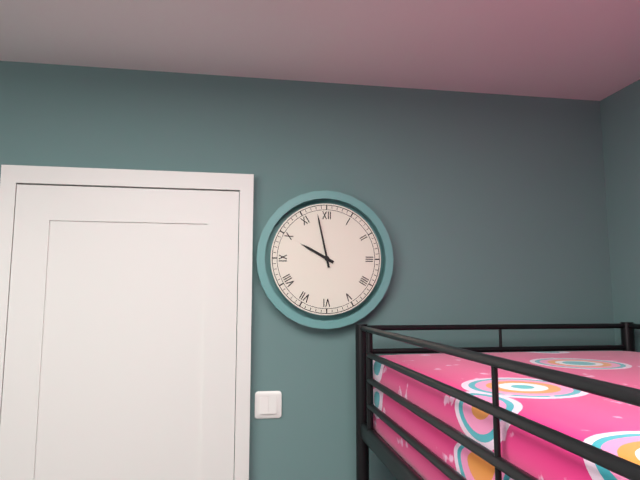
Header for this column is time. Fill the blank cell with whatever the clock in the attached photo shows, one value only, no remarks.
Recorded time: 9:58
